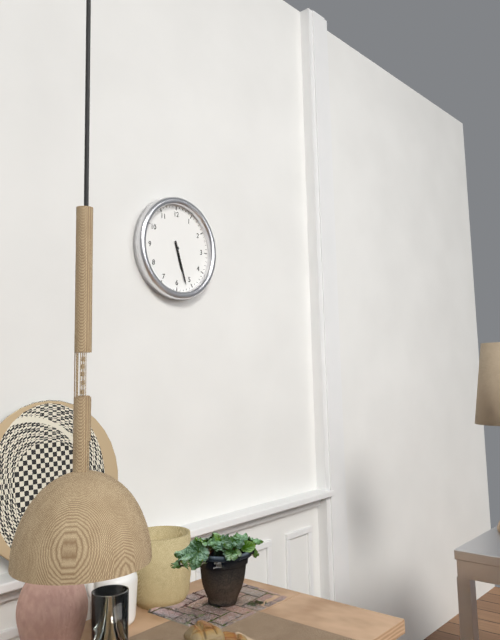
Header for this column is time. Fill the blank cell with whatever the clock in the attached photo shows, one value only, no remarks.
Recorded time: 5:27
